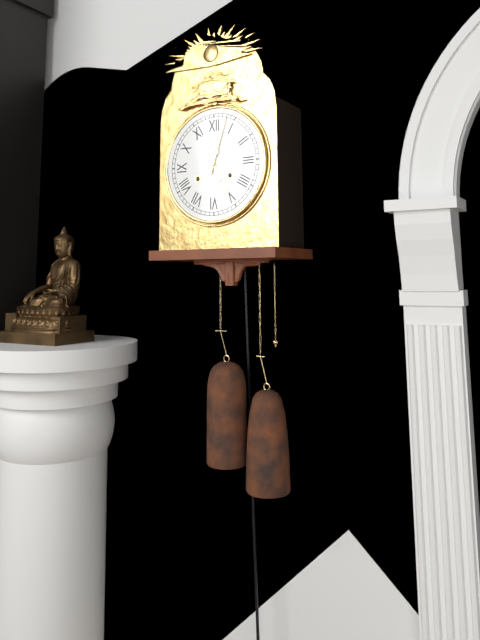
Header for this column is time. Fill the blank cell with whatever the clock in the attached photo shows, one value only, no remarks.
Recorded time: 5:03
